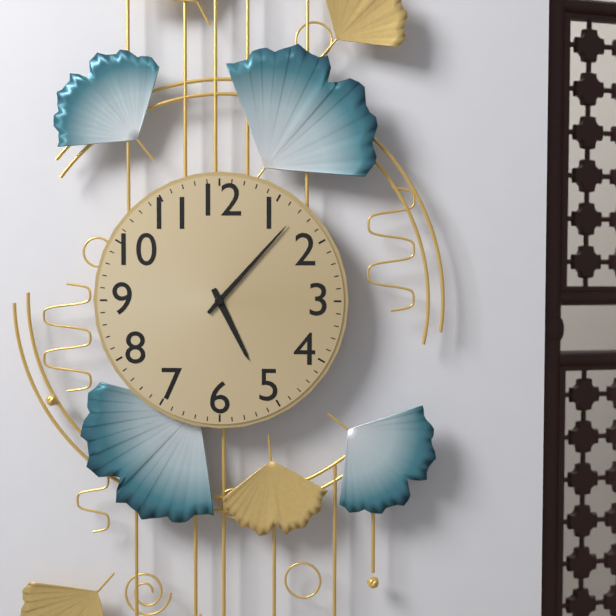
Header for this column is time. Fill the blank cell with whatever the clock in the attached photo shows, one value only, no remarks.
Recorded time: 5:07
